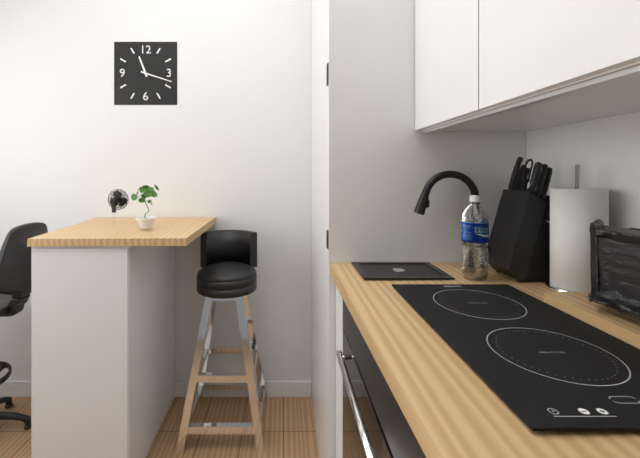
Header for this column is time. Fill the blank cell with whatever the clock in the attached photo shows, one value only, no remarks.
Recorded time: 11:18
